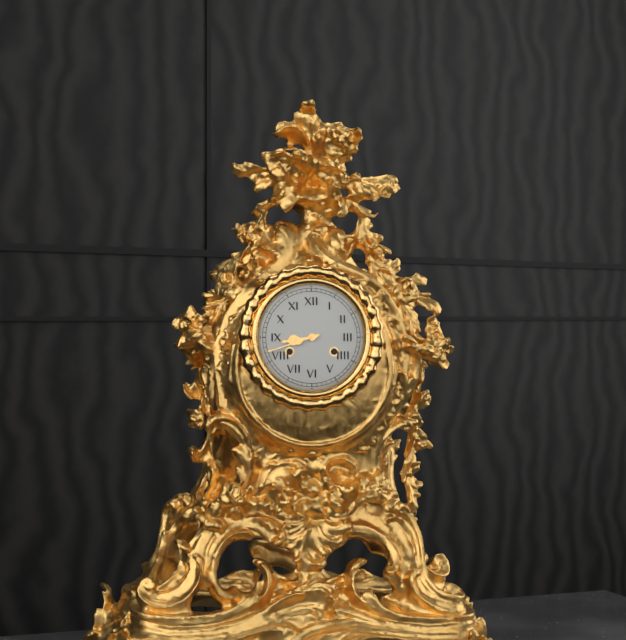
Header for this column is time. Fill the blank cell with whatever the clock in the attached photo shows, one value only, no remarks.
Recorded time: 8:42
